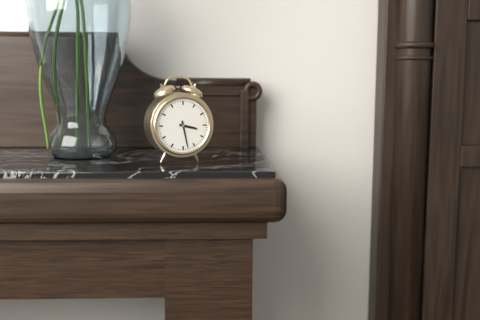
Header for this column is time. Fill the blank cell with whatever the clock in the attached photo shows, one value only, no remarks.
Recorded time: 3:28
